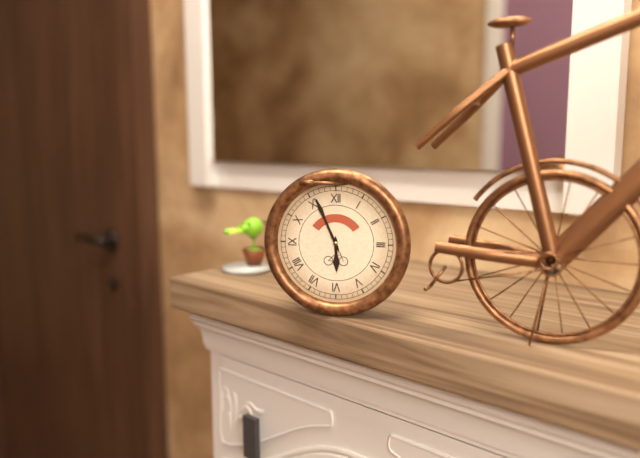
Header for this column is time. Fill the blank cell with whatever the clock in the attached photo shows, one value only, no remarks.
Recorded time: 5:56
